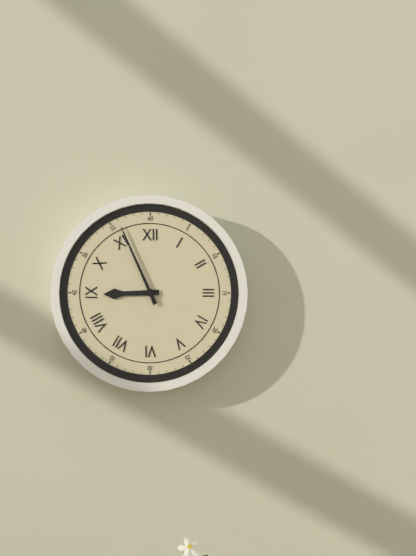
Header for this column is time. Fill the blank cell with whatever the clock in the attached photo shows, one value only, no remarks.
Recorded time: 8:56
